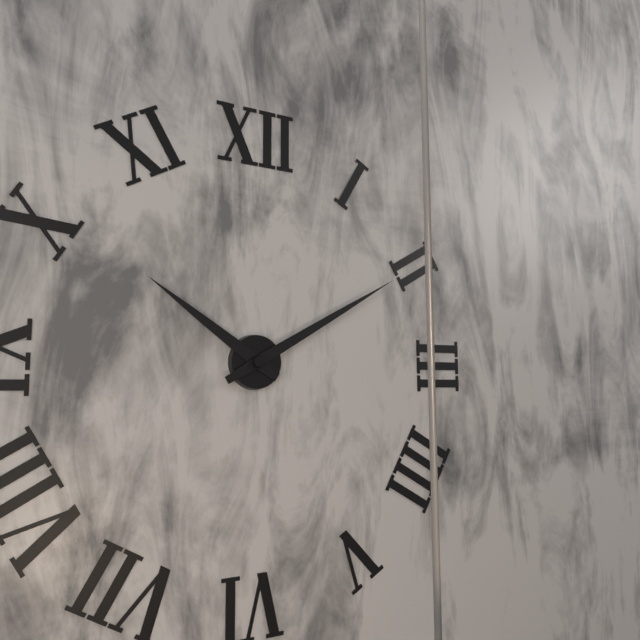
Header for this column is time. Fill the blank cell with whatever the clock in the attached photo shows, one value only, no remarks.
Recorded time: 10:10
